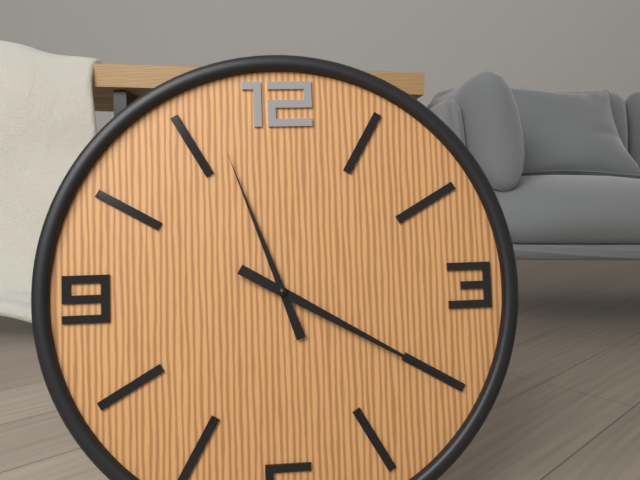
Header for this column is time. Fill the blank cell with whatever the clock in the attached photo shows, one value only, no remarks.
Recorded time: 11:20
